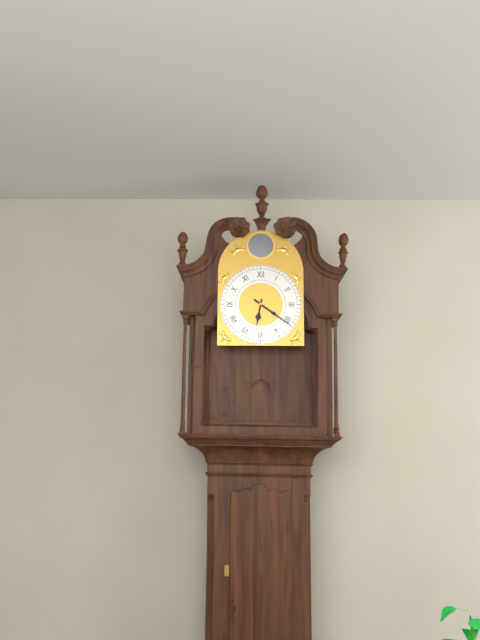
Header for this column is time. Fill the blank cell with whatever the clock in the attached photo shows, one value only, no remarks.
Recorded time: 6:21
